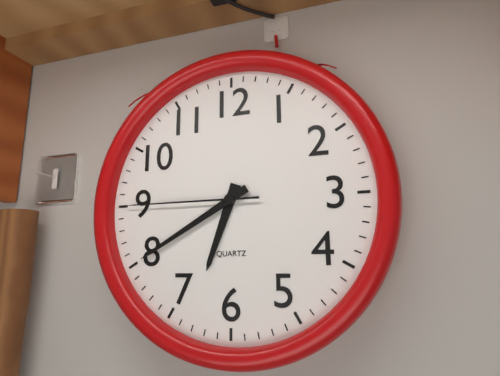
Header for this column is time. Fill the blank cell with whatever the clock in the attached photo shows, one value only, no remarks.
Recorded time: 6:40:45
